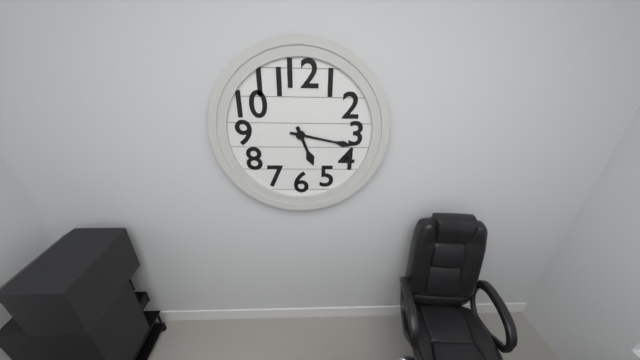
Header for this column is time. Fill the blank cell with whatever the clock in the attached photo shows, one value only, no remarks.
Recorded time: 5:17
